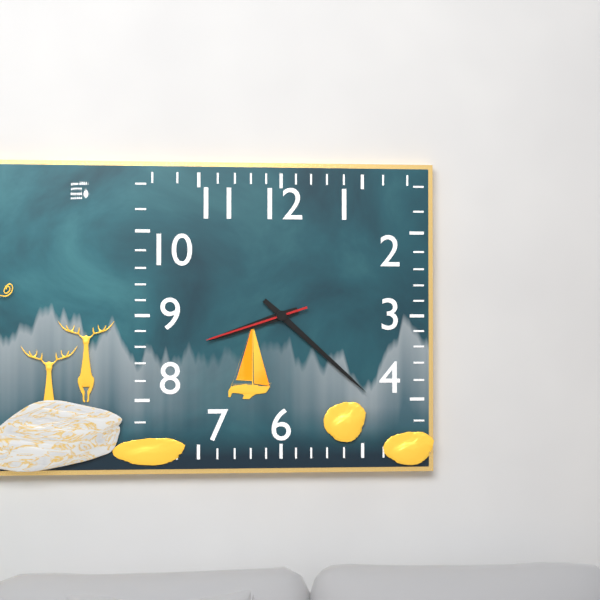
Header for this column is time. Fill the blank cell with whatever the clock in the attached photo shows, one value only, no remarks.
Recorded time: 8:22:42
